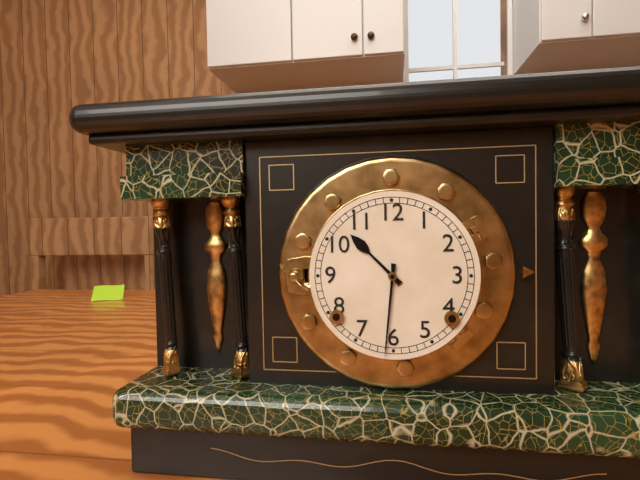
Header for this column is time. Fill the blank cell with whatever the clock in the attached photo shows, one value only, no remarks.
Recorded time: 10:31
